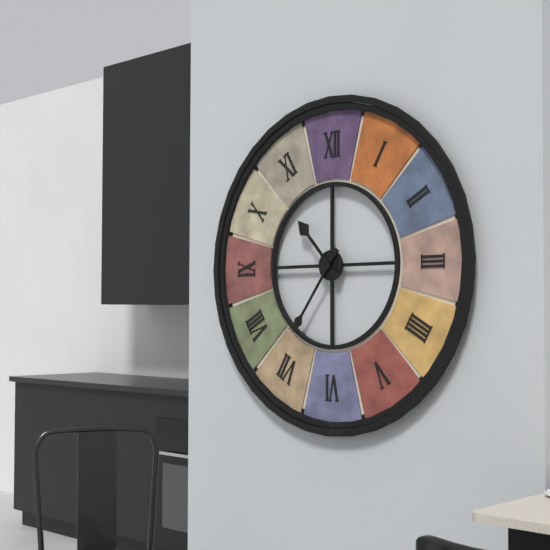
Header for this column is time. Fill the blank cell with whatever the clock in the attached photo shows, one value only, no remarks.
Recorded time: 10:36
